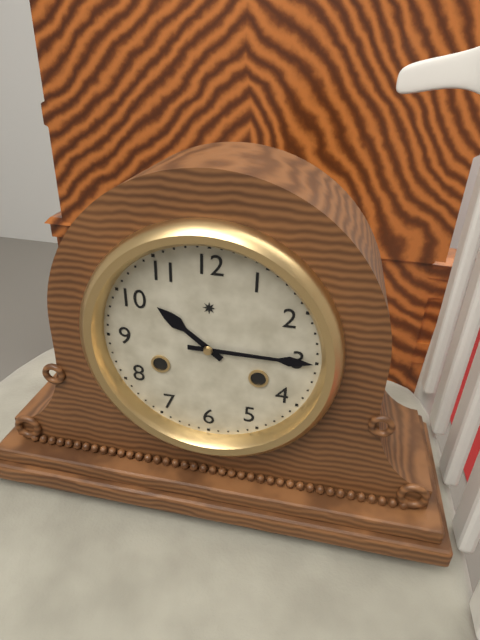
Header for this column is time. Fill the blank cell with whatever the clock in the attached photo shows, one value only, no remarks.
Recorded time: 10:15
